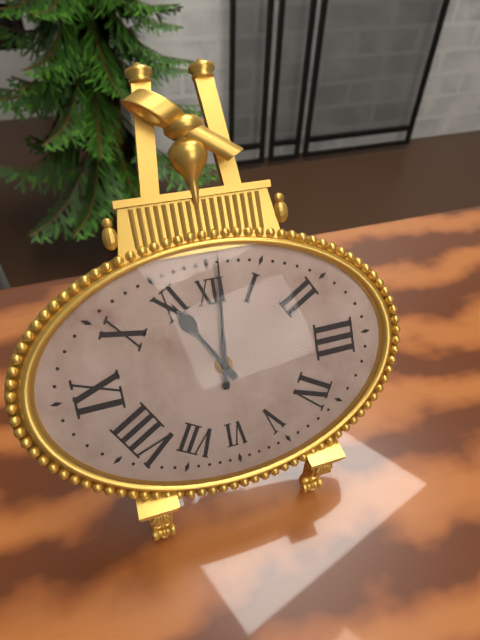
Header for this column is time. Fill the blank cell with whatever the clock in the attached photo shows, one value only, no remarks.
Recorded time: 11:01
